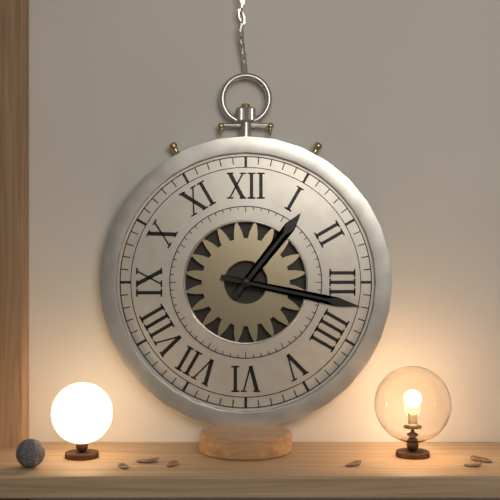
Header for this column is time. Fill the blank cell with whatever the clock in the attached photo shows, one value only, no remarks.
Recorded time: 1:17
